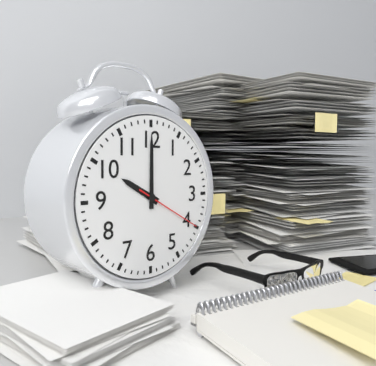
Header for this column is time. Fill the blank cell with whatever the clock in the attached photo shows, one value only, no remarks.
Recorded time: 10:00:20
